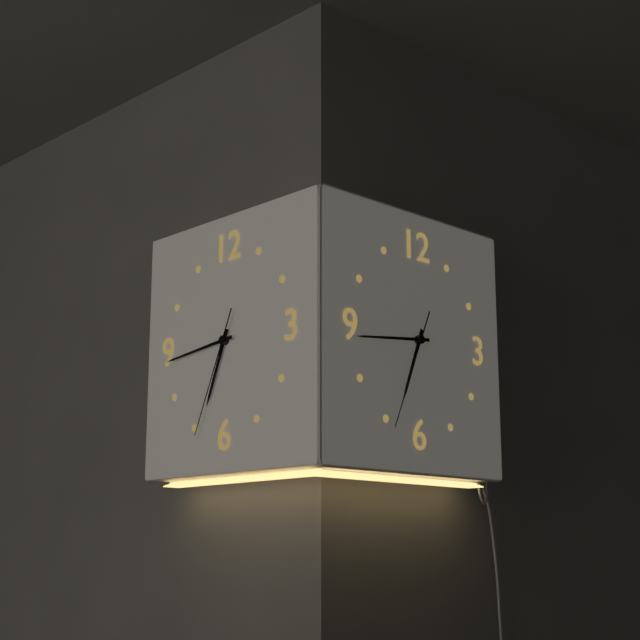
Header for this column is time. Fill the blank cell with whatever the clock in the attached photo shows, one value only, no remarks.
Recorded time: 6:44:34
